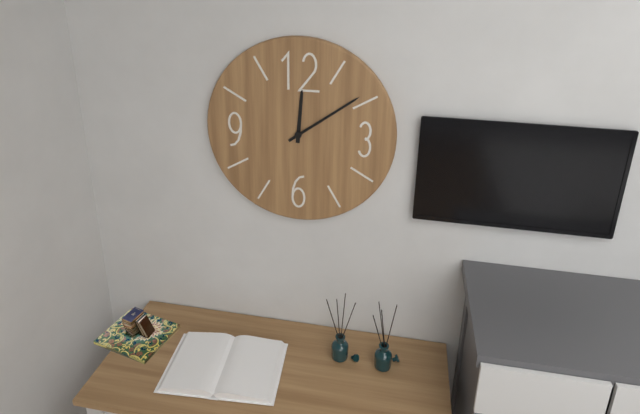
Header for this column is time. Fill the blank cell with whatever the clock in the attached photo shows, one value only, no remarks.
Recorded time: 12:09
